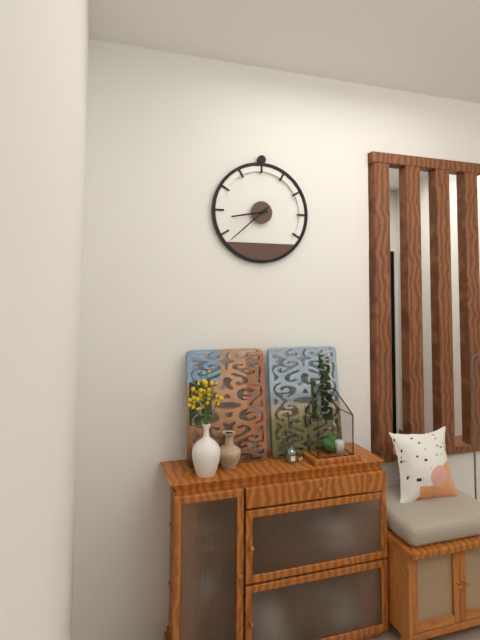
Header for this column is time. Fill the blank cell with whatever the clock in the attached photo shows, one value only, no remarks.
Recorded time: 8:38
